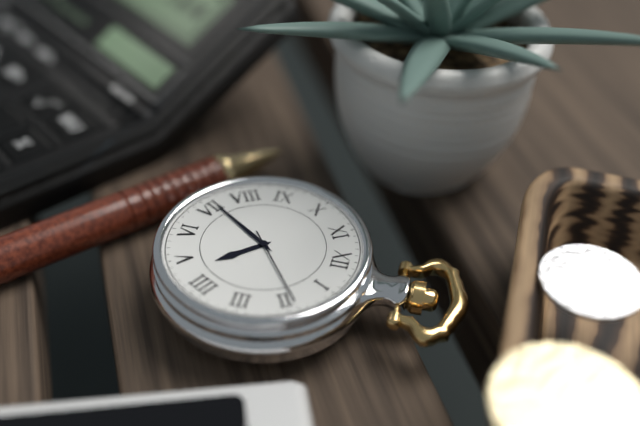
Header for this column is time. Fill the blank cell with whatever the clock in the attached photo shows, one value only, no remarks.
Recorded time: 4:36:09
